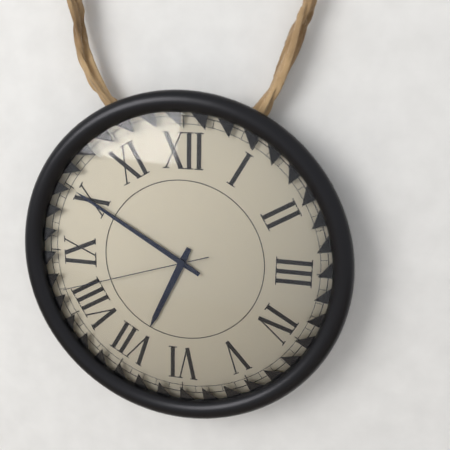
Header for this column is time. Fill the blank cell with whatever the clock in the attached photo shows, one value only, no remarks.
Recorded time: 6:50:42
